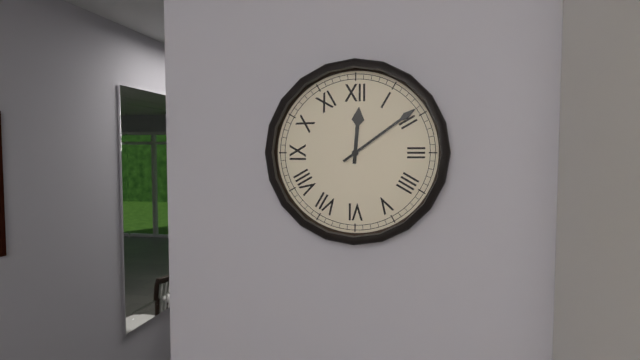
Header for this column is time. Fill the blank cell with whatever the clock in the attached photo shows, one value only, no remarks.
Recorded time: 12:09
